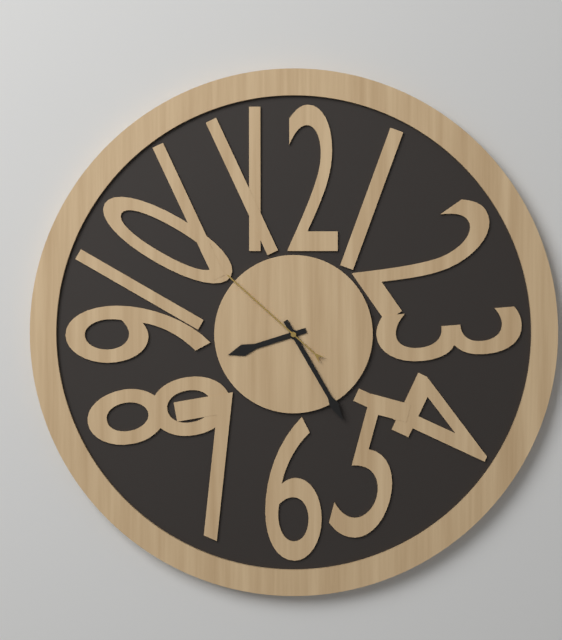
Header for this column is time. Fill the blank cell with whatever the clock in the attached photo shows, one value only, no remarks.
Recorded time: 8:25:52
